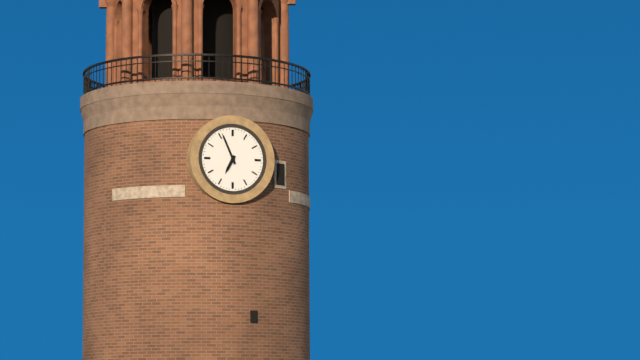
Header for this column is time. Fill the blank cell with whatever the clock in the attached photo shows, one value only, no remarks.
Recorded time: 6:56
